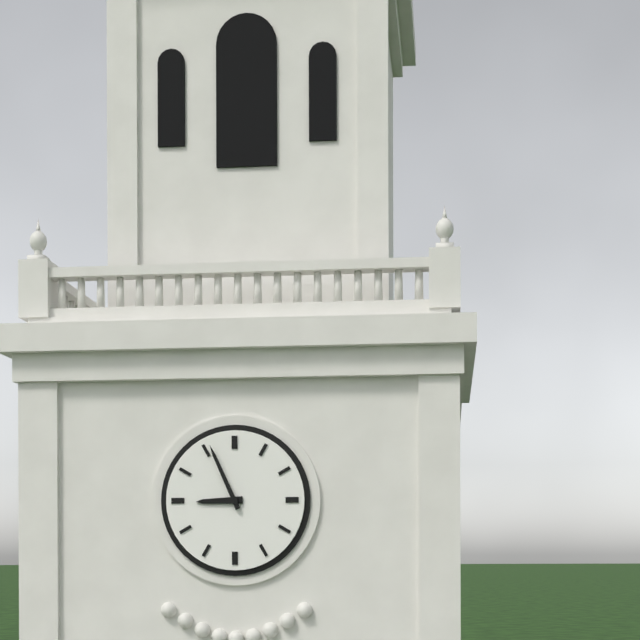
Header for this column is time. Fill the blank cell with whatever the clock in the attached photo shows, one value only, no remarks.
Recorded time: 8:56
